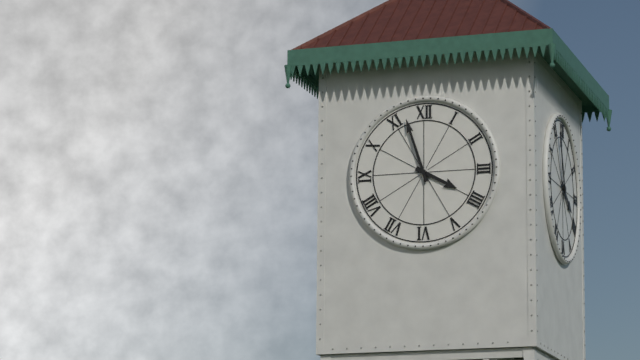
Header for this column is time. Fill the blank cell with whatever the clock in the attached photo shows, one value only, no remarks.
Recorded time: 3:57
